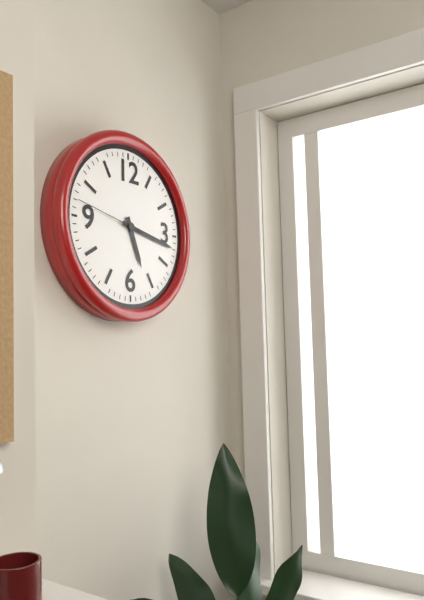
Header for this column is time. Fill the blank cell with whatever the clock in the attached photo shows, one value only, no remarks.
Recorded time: 5:17:47
